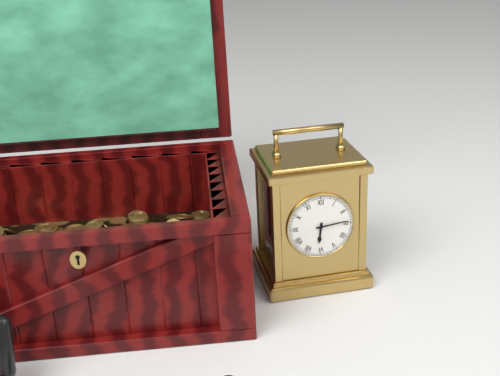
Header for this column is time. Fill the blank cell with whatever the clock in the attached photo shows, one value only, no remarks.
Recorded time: 6:14
